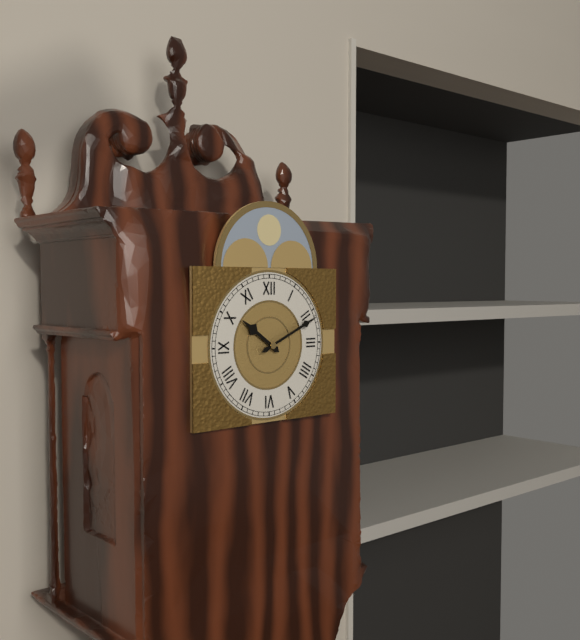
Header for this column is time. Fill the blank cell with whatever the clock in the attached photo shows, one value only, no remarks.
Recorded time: 10:11
